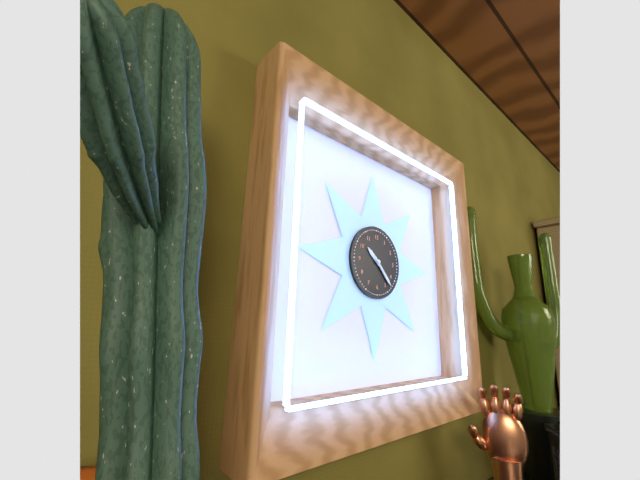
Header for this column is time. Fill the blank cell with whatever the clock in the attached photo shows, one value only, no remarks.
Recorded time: 10:23
